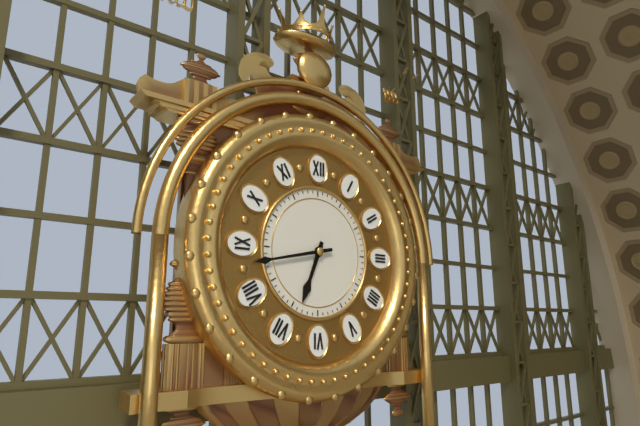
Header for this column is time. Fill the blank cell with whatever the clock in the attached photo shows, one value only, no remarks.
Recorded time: 6:43
